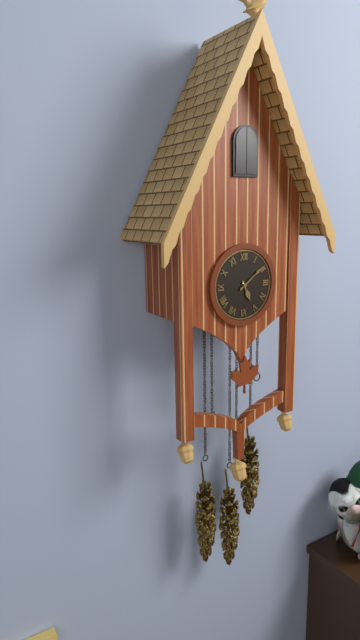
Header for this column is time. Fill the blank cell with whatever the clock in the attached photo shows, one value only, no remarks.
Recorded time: 5:09
